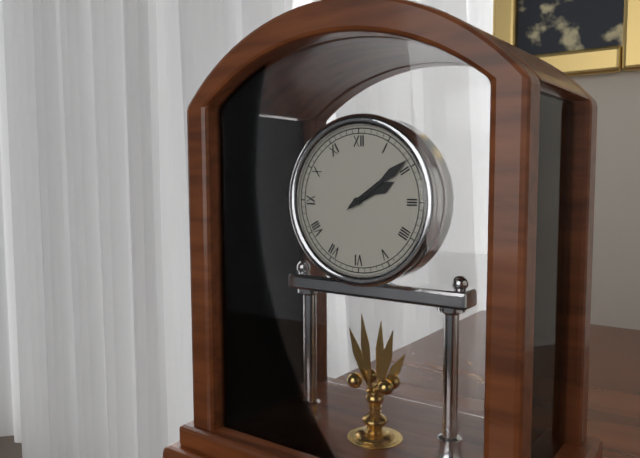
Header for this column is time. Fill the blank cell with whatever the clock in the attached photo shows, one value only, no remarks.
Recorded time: 2:09
